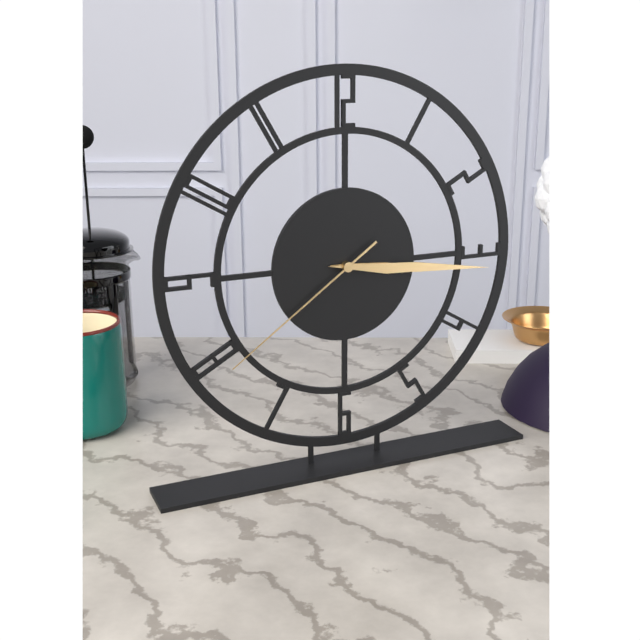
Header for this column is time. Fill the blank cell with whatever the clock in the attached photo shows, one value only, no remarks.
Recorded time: 3:16:39
